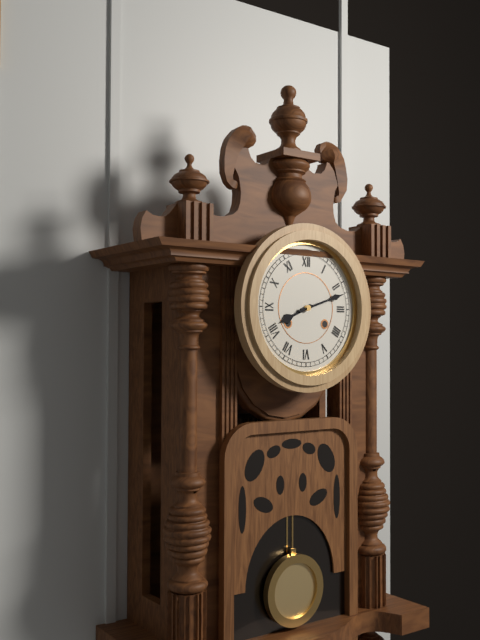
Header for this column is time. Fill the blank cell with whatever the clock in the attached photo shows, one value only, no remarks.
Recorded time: 8:12
